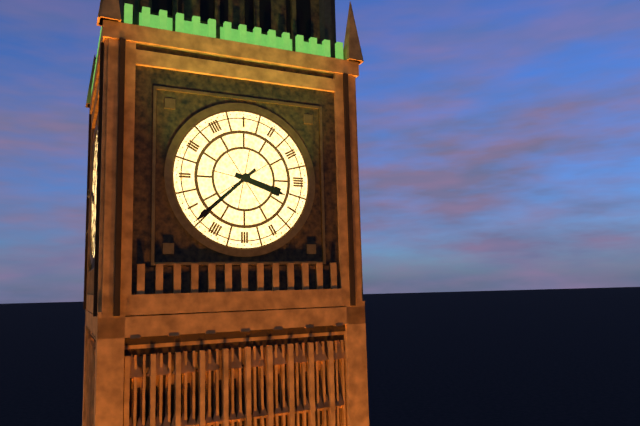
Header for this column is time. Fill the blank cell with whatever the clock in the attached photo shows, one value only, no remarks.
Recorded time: 3:38
